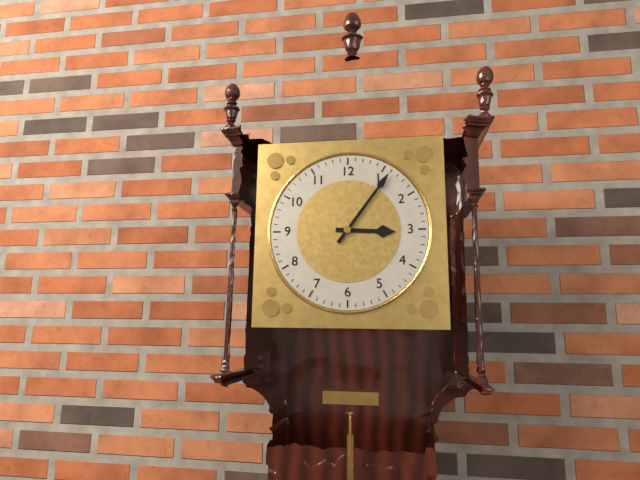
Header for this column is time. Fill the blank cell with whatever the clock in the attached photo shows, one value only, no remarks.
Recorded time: 3:06
